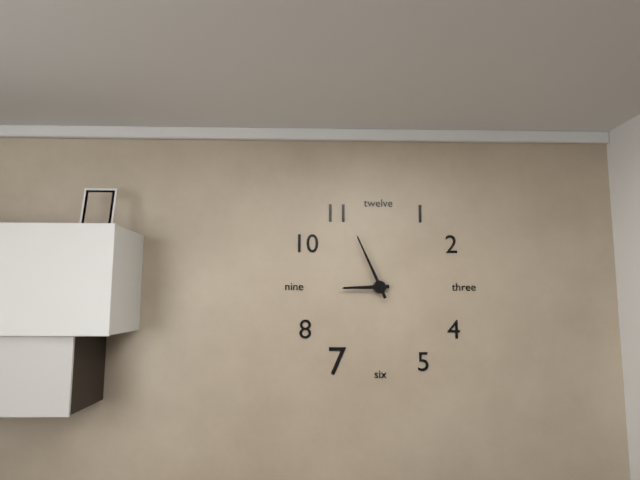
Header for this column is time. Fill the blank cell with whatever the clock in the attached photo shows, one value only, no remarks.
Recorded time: 8:56
